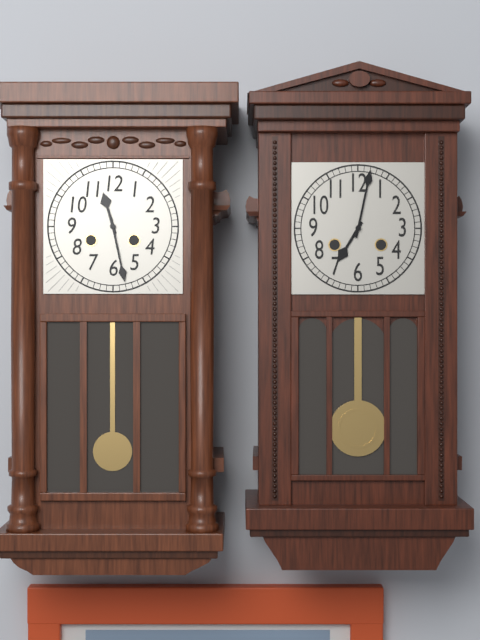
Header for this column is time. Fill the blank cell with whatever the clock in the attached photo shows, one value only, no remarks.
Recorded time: 11:28
